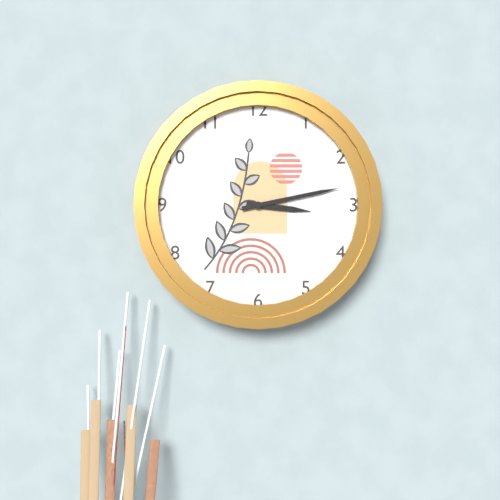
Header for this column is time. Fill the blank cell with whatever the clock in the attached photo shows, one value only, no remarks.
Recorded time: 3:13
